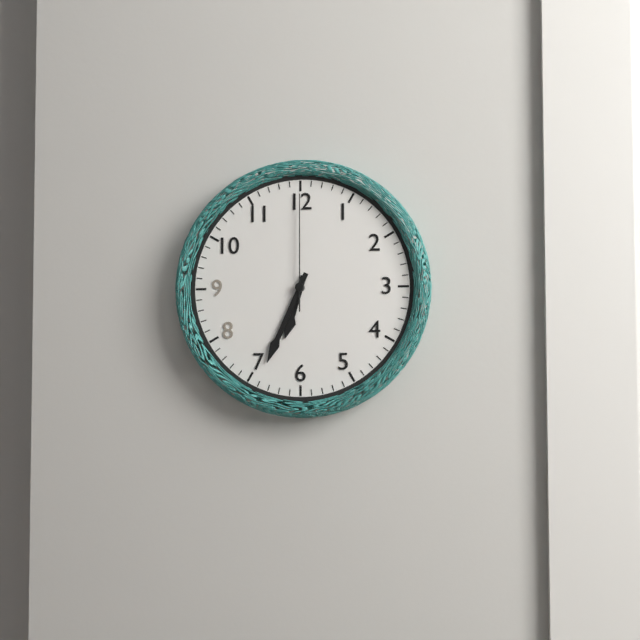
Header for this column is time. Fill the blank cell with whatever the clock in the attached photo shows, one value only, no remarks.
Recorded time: 6:34:00
